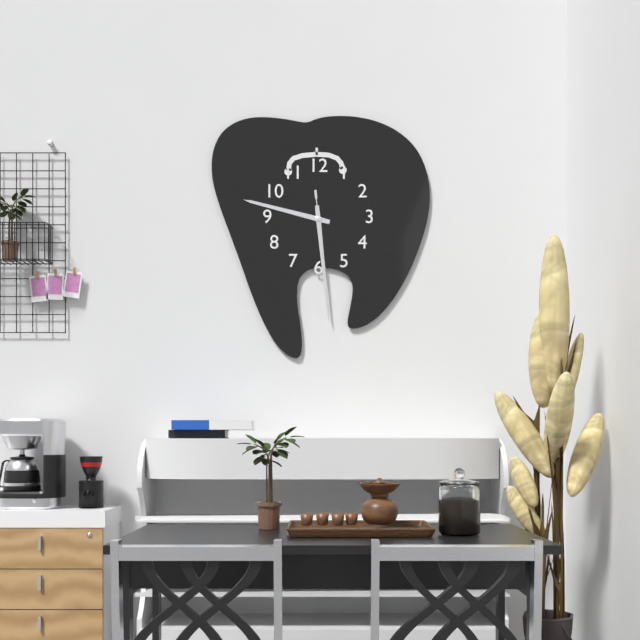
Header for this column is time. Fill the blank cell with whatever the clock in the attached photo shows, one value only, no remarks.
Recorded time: 9:29:29
